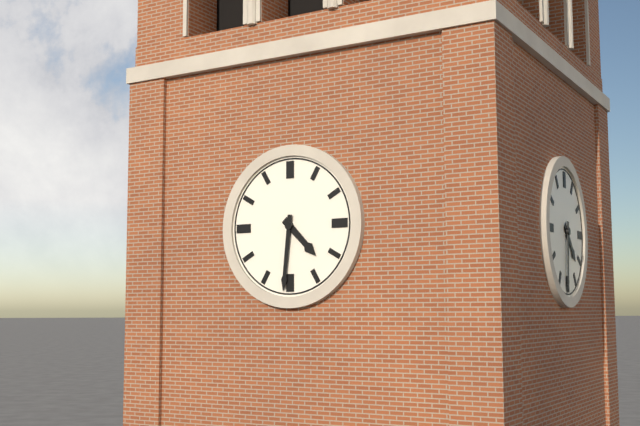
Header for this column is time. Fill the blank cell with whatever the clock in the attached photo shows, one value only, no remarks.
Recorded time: 4:31
